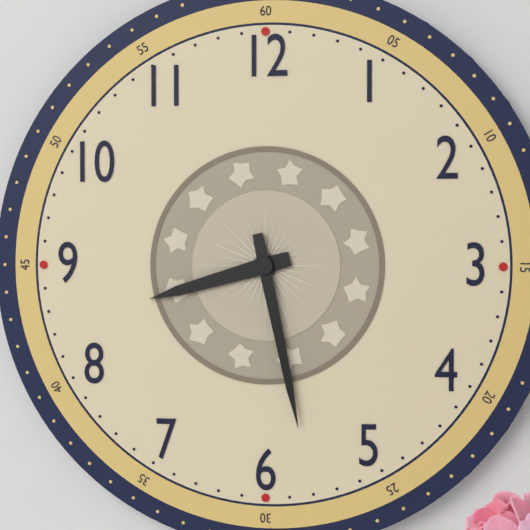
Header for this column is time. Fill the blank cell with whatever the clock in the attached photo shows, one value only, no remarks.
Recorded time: 8:28
